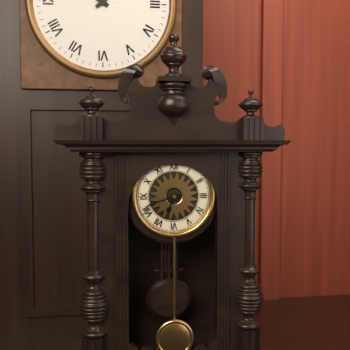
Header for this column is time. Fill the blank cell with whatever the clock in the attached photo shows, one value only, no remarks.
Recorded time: 6:42
